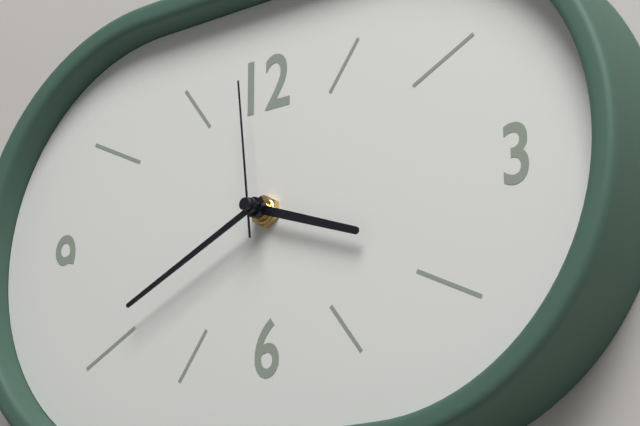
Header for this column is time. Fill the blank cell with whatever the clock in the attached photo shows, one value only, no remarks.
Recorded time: 3:41:59
